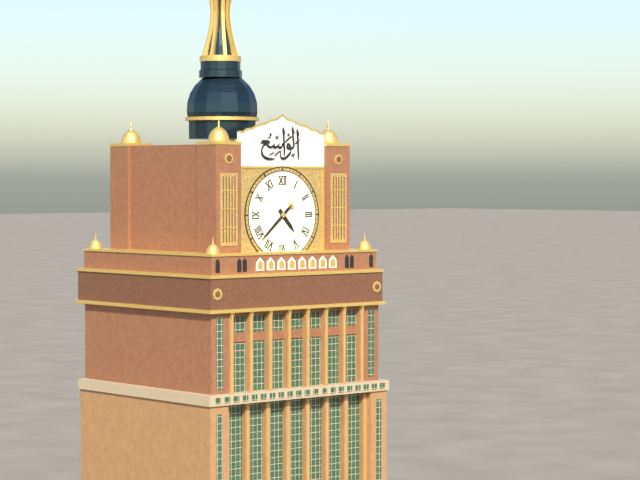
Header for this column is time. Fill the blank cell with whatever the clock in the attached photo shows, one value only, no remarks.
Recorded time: 4:38
